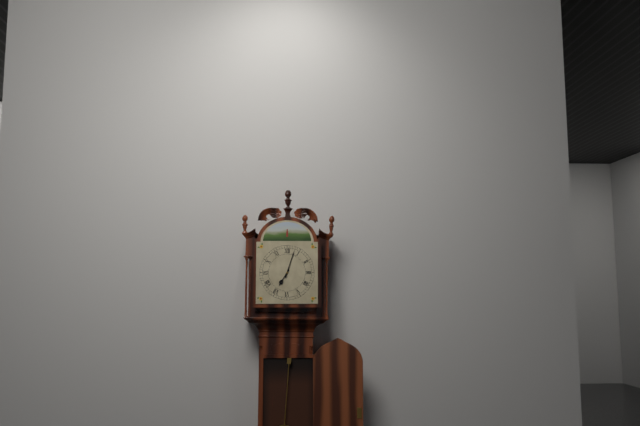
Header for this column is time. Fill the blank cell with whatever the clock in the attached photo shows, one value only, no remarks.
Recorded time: 7:03
